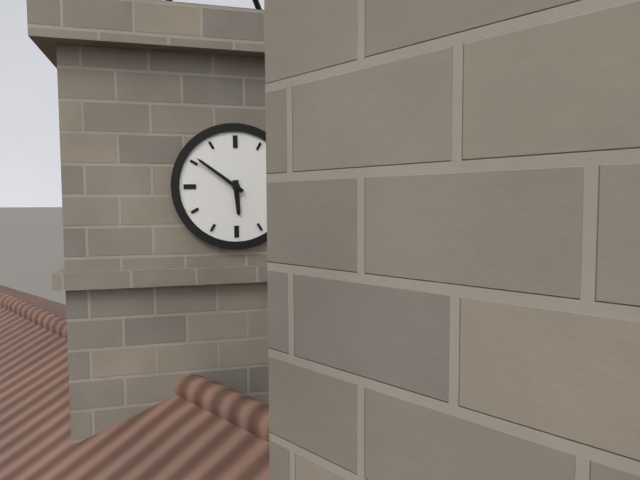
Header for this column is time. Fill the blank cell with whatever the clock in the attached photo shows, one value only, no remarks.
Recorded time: 5:51
